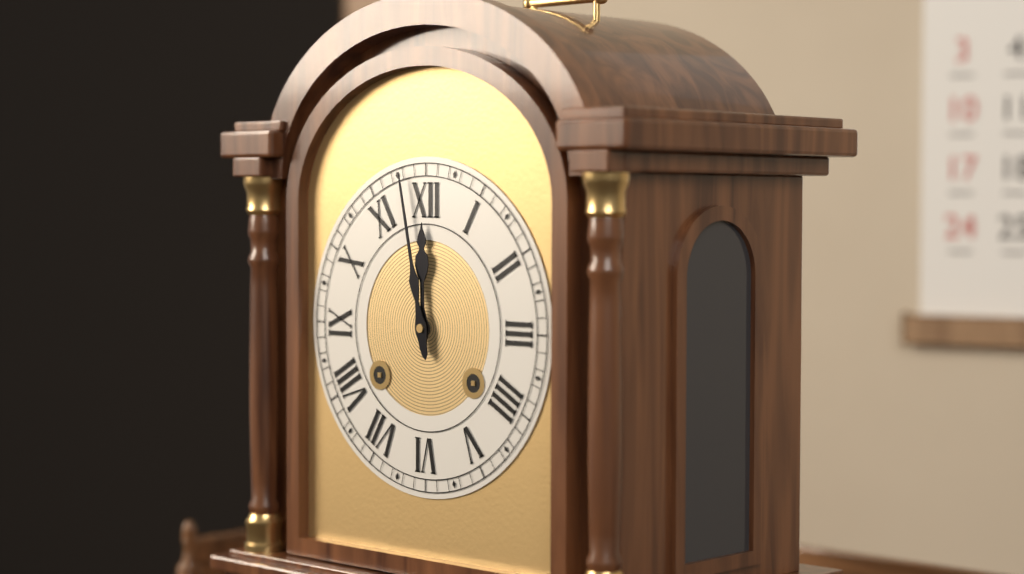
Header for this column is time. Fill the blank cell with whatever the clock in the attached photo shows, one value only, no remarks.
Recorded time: 11:58
